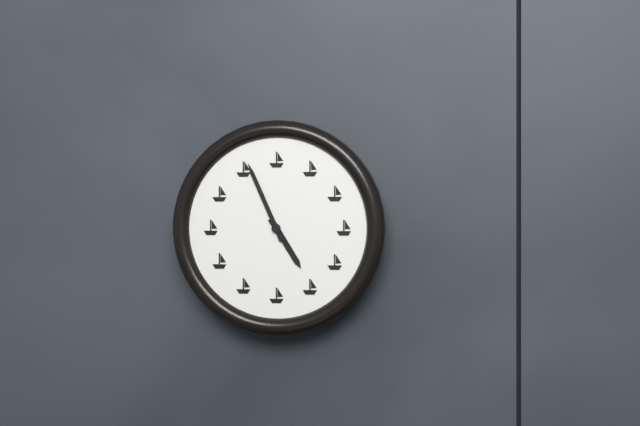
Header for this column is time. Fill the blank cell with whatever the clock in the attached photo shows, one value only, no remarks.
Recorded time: 4:56
